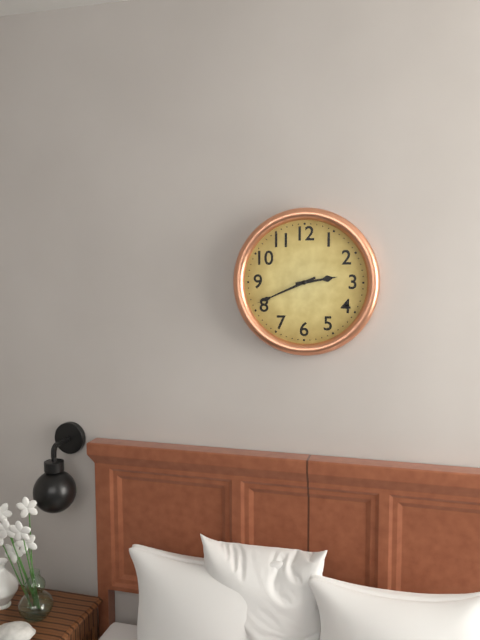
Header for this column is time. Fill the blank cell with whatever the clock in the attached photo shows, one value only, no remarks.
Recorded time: 2:41
